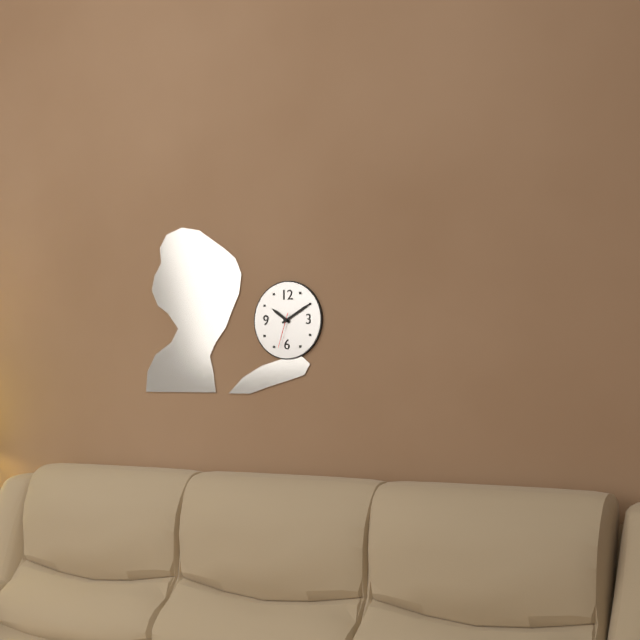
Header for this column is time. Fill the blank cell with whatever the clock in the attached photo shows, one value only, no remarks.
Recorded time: 10:10
